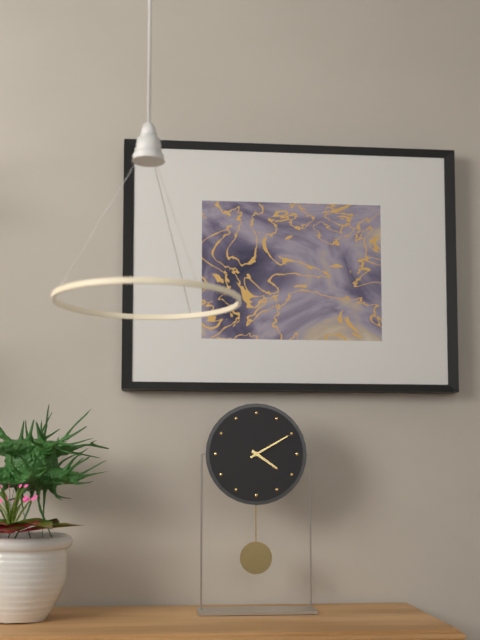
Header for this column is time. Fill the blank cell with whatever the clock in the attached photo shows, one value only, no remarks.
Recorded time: 4:10
